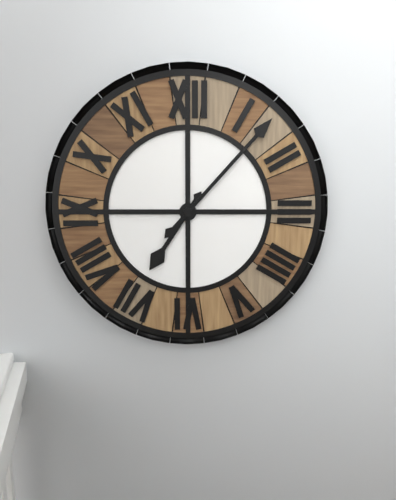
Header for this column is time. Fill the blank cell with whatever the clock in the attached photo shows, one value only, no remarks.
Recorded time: 7:07
